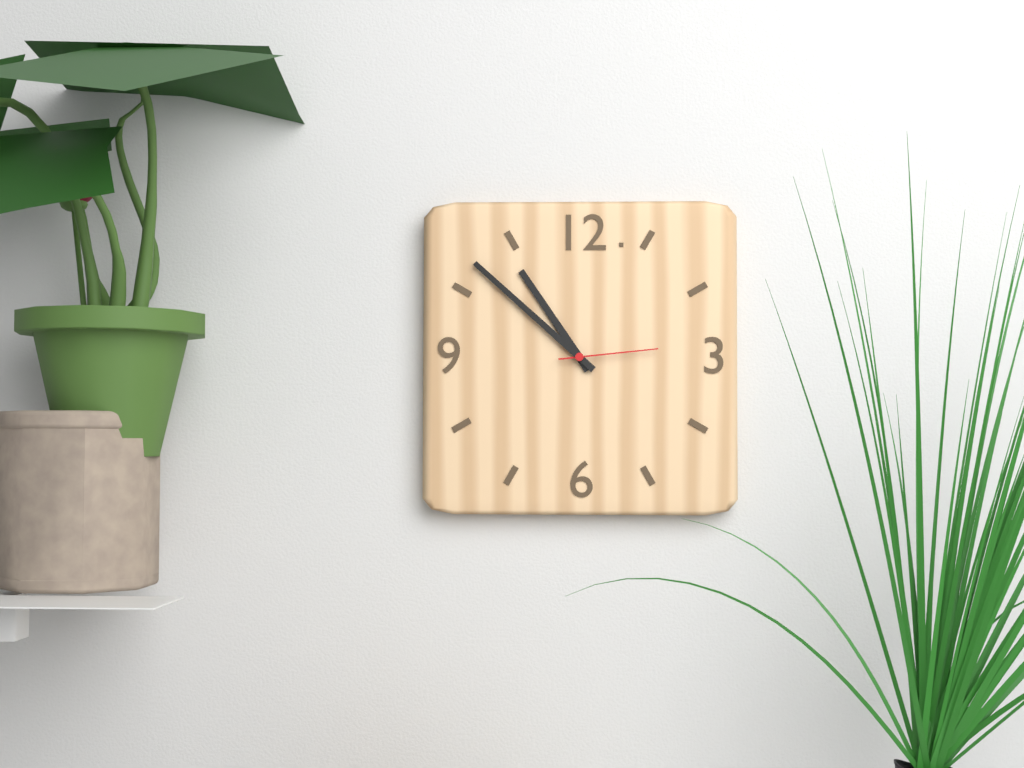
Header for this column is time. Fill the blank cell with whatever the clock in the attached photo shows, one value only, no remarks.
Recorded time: 10:52:14
